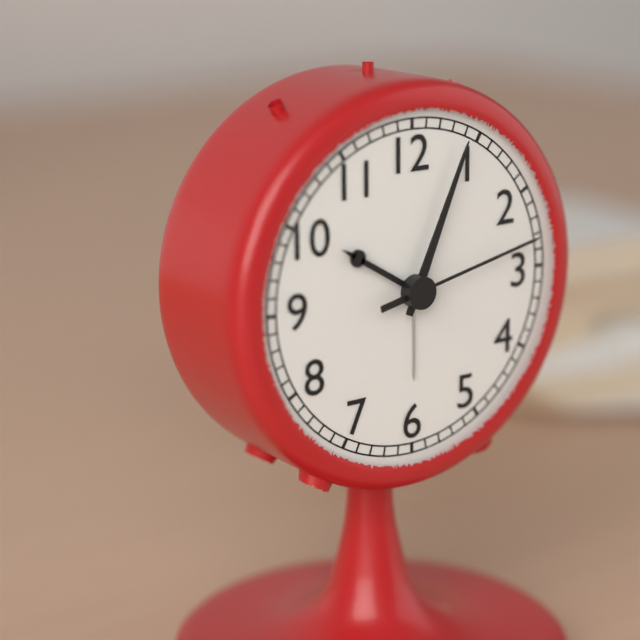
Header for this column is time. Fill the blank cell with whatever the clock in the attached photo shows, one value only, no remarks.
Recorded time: 10:04:13
